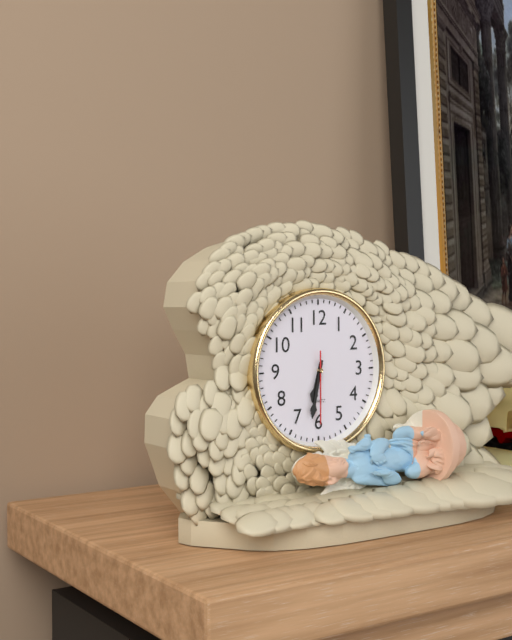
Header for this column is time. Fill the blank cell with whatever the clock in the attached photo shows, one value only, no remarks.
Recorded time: 6:32:30
